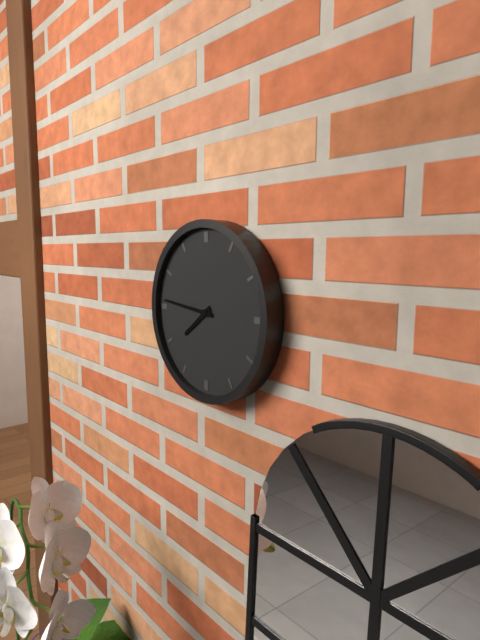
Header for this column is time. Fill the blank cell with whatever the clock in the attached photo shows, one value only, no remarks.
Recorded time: 7:46
